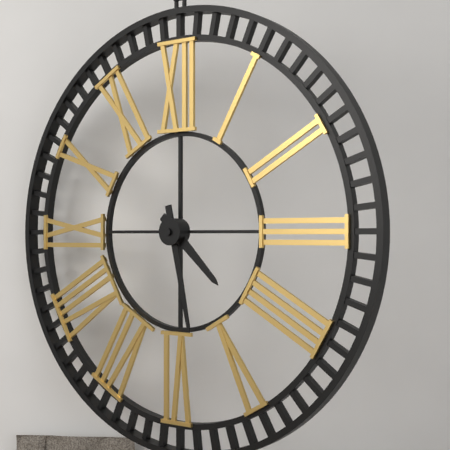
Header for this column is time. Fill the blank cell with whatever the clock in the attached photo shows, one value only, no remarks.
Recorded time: 4:28
